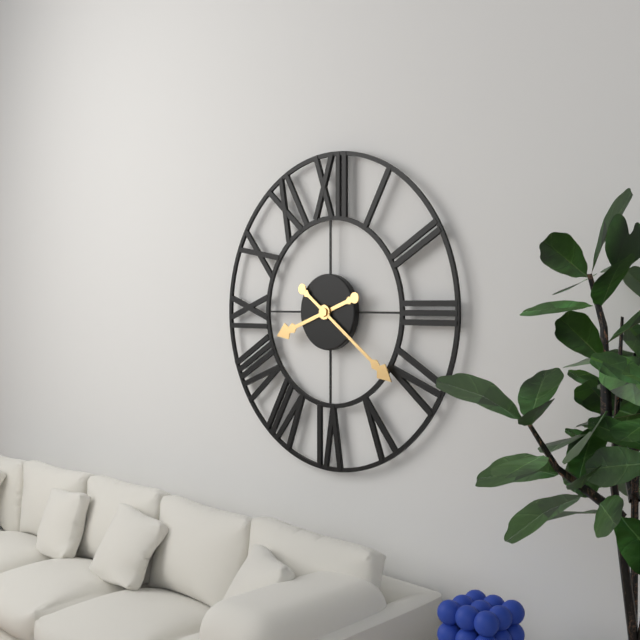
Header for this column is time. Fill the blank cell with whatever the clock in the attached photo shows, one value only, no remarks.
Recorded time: 8:21
